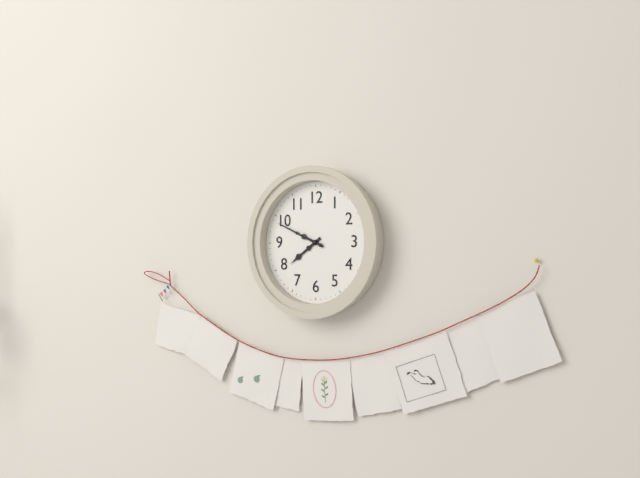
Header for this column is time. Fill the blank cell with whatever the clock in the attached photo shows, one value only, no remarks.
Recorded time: 7:49
